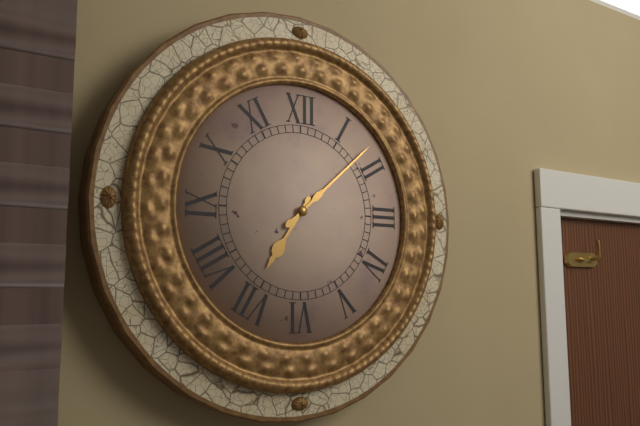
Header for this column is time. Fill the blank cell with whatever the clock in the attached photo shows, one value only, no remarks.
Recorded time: 7:08
